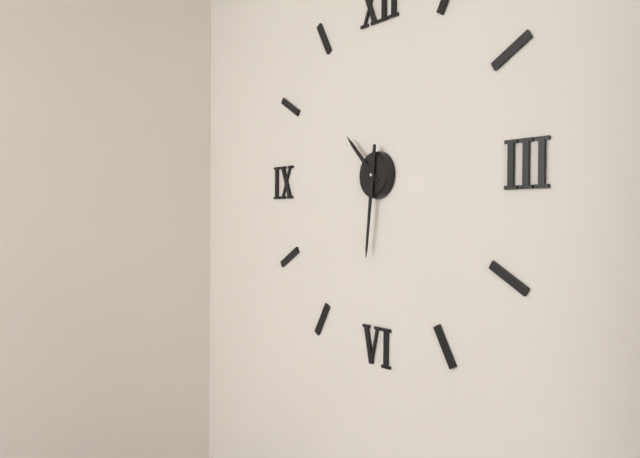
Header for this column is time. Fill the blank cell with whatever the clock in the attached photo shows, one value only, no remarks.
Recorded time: 10:31
